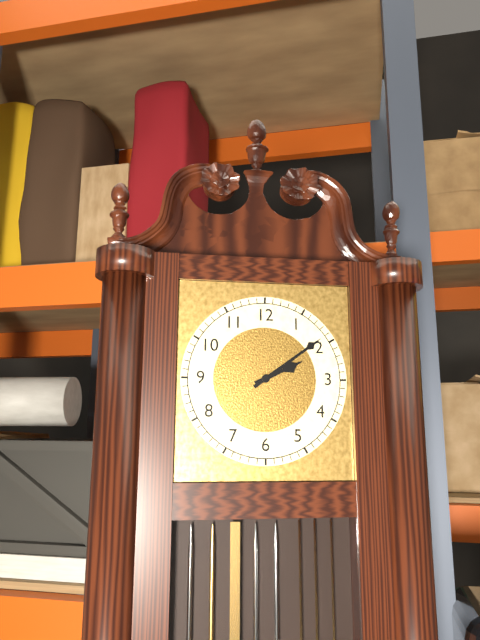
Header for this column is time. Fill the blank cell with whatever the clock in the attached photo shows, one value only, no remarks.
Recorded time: 2:09
